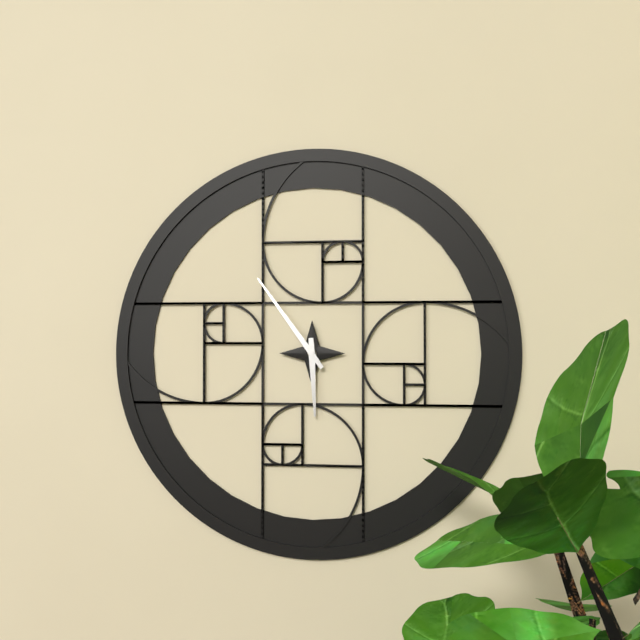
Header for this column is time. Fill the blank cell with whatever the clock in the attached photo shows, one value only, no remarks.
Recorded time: 5:54
